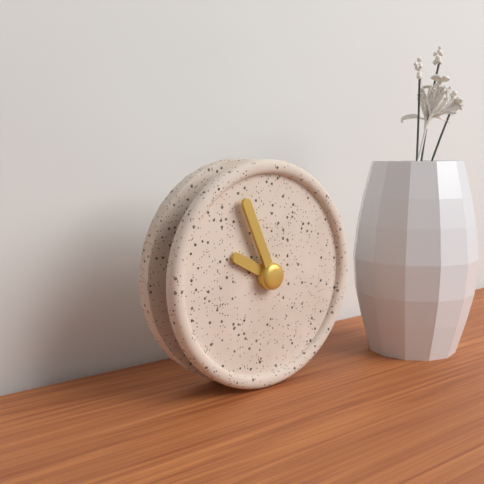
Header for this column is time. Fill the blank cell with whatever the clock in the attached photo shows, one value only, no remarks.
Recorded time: 9:56
